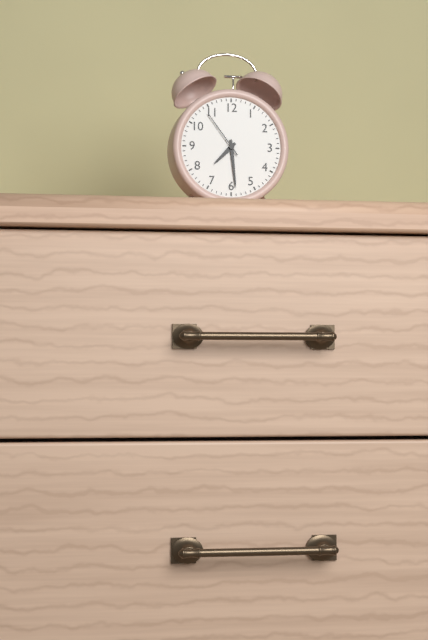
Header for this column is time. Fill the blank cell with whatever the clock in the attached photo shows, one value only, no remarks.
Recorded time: 7:29:54
